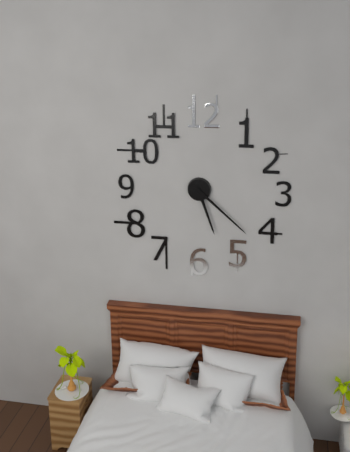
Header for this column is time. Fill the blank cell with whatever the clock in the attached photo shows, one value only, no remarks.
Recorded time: 5:22
